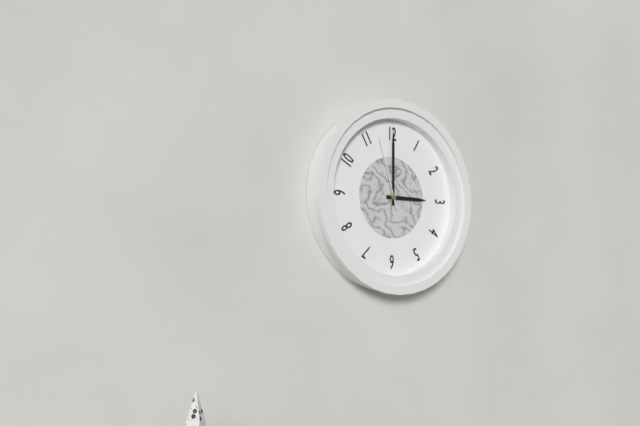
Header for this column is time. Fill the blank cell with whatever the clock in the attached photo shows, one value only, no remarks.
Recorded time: 3:00:57
